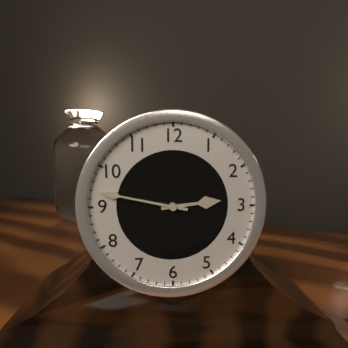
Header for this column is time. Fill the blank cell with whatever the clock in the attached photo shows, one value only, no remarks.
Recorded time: 2:47
